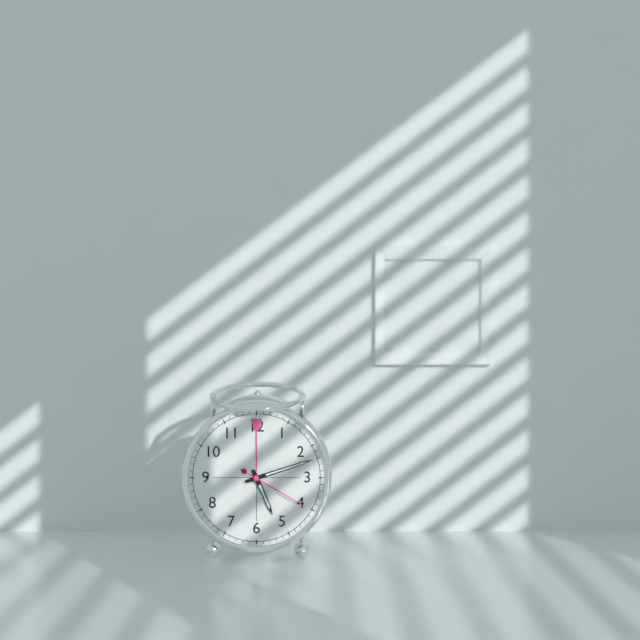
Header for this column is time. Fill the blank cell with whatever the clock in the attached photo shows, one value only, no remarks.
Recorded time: 5:12:20
